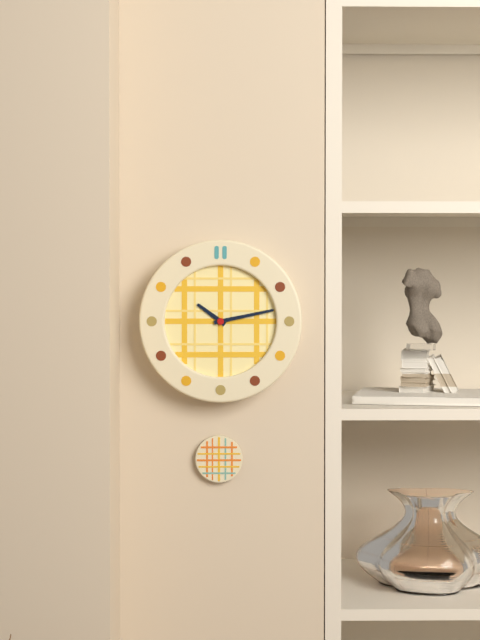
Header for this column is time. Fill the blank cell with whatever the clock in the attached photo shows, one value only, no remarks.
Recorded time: 10:13
